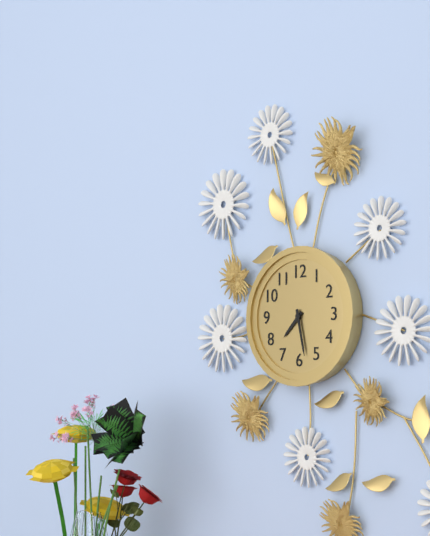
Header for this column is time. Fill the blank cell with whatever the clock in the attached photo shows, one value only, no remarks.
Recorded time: 7:28
